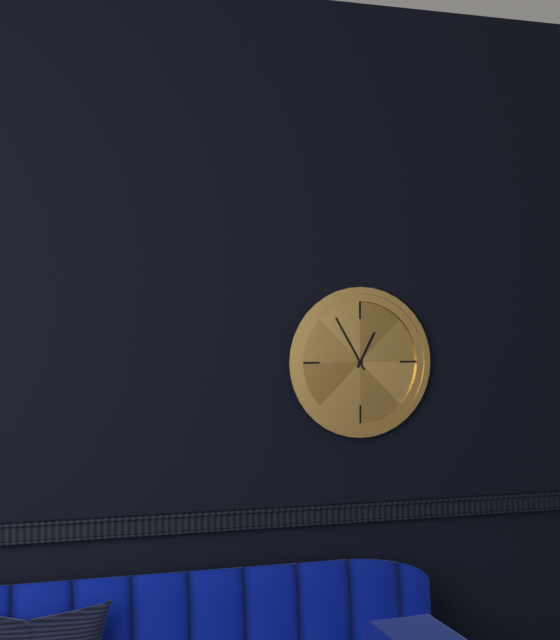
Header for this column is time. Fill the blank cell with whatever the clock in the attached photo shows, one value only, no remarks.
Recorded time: 12:55
